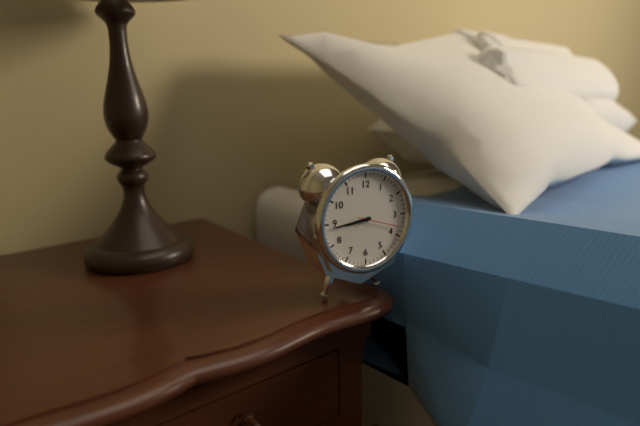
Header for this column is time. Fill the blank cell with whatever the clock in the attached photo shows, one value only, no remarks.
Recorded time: 8:44
